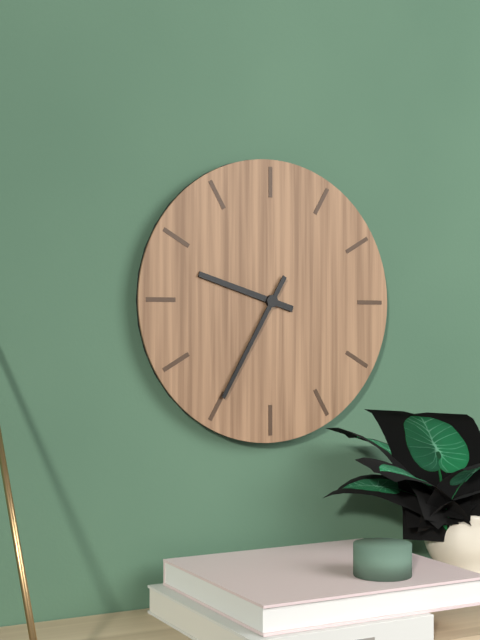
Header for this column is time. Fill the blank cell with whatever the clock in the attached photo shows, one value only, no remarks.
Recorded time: 9:35
